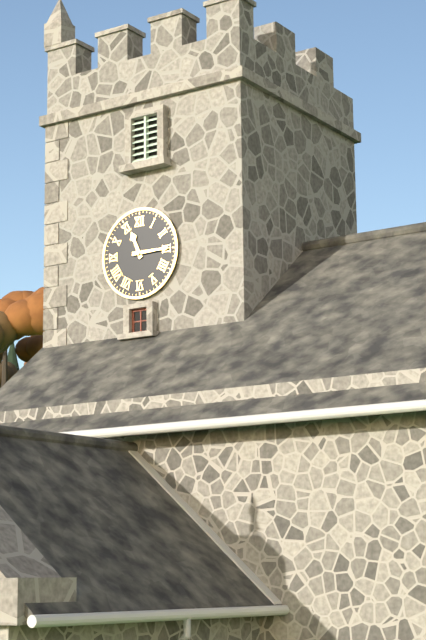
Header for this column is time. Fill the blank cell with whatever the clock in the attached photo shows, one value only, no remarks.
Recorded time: 11:15
